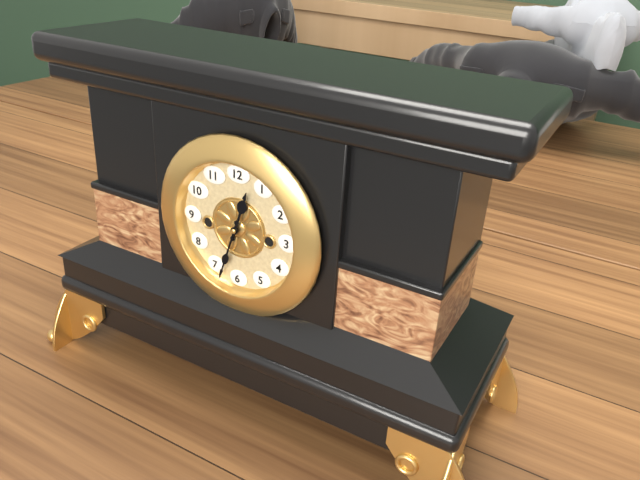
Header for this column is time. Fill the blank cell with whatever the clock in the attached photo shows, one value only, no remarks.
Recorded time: 12:33
